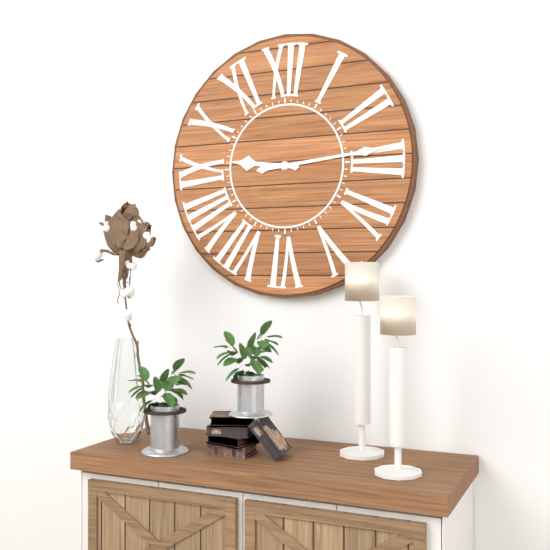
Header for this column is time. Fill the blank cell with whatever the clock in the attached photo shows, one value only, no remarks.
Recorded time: 9:14
